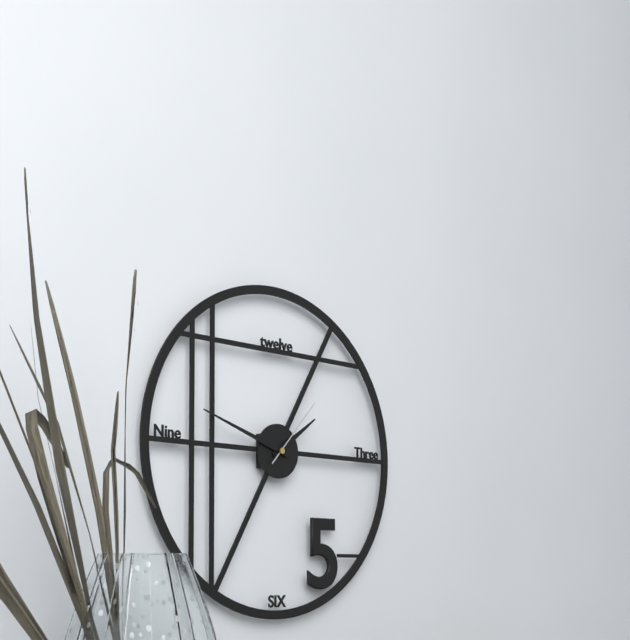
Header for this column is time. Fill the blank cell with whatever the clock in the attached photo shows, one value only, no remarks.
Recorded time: 1:48:07
